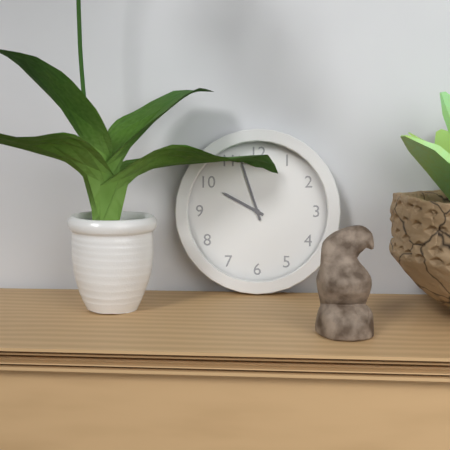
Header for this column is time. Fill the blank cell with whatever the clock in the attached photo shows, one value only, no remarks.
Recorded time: 9:57
